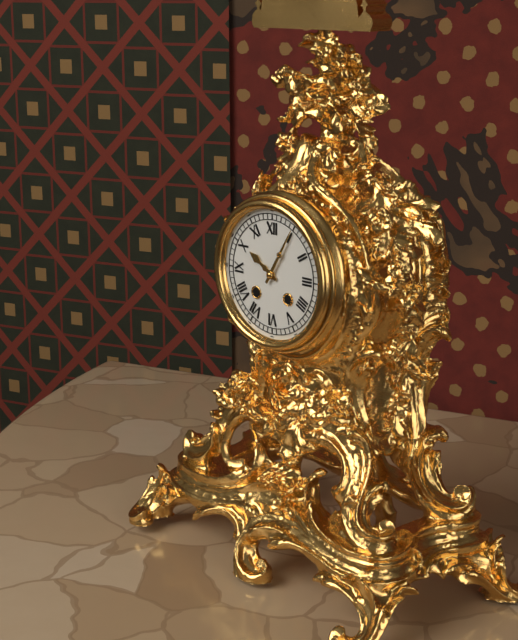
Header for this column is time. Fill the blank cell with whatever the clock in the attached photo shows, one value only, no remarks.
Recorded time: 10:05
